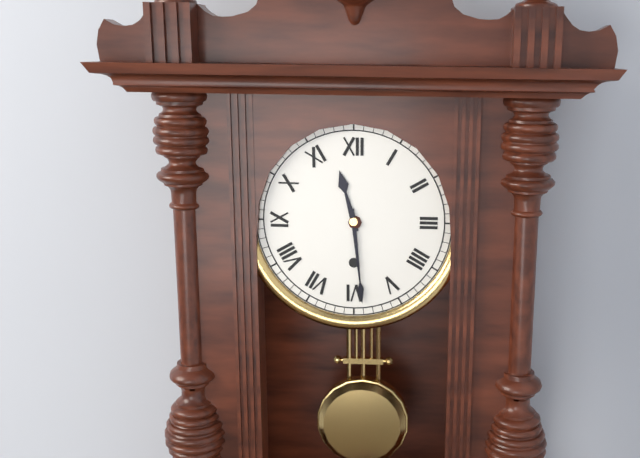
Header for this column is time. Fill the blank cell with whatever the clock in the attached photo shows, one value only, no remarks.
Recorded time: 11:29
